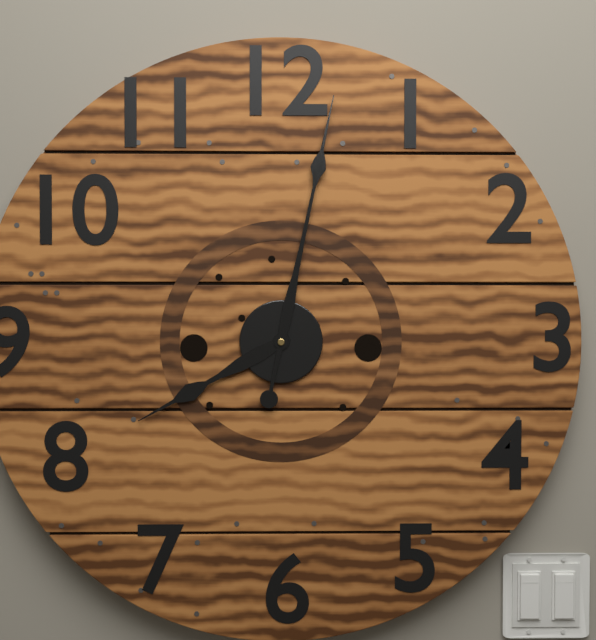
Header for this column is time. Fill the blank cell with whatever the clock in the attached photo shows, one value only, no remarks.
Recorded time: 8:02
